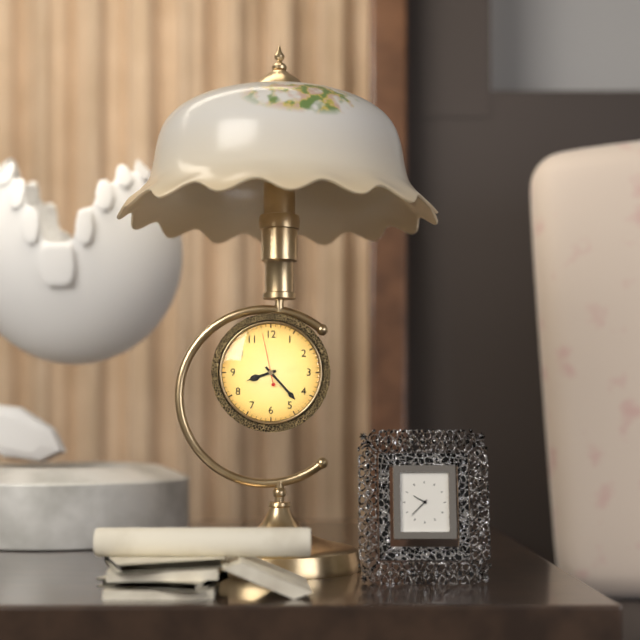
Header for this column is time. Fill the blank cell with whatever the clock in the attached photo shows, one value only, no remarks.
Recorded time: 8:23
